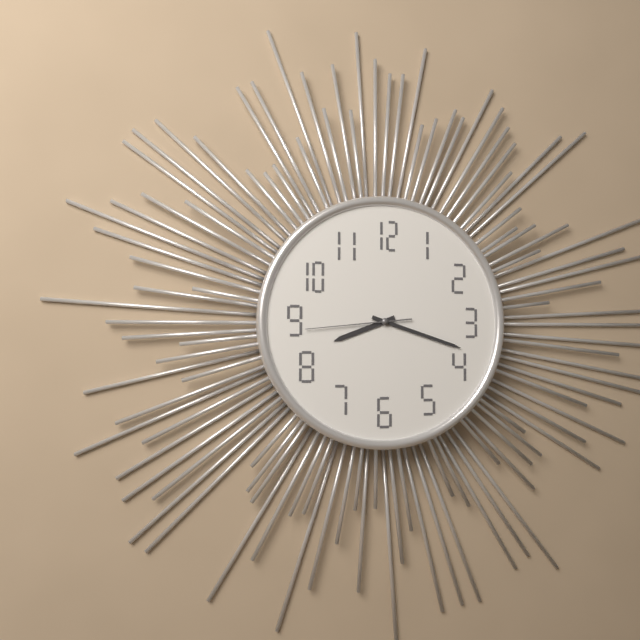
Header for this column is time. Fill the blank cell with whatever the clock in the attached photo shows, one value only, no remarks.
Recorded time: 8:18:44
